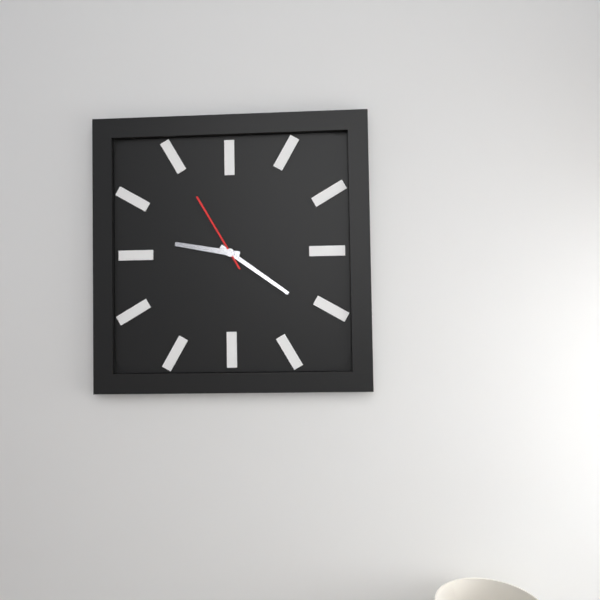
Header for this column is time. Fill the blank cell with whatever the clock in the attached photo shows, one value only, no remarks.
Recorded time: 9:21:55
